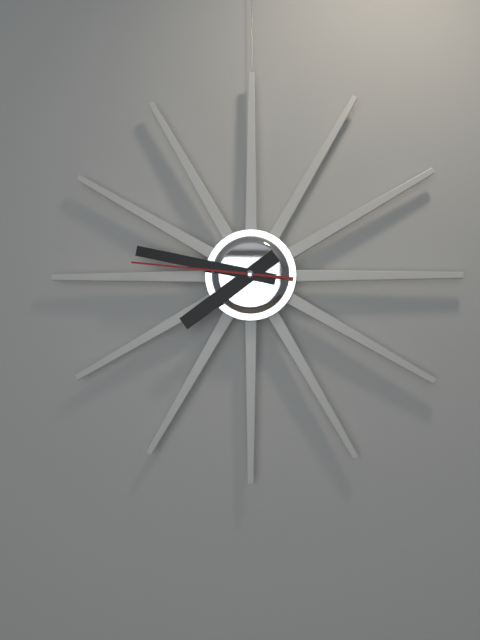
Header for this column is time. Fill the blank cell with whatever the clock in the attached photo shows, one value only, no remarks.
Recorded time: 7:47:46
